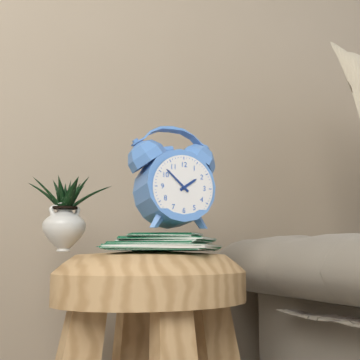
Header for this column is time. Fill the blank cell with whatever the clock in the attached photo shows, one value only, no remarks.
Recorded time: 1:52
